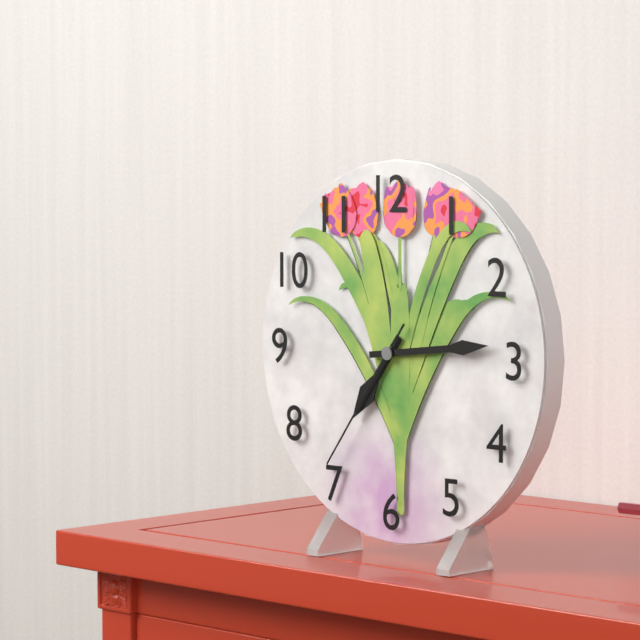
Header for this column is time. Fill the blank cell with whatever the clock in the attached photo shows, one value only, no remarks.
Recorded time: 7:14:36
